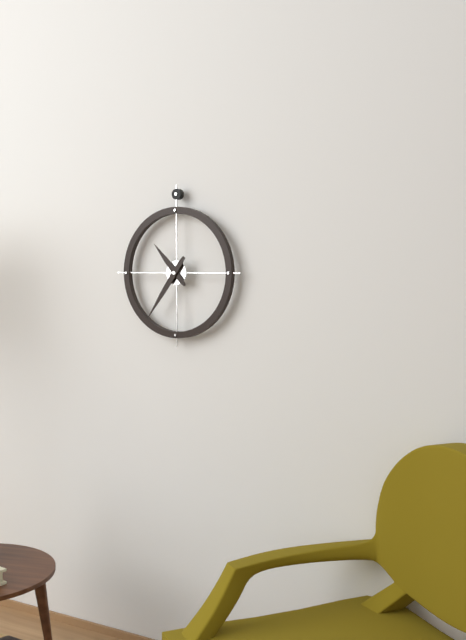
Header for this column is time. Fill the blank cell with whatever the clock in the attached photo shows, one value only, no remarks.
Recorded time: 10:36
